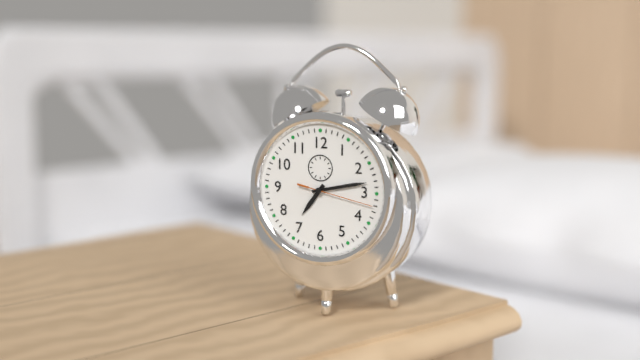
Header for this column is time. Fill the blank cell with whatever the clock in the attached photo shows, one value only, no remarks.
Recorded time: 7:13:17
